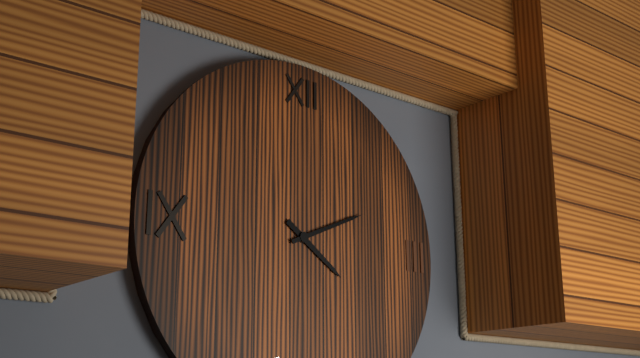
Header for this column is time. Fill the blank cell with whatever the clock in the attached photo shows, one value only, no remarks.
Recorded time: 4:11
